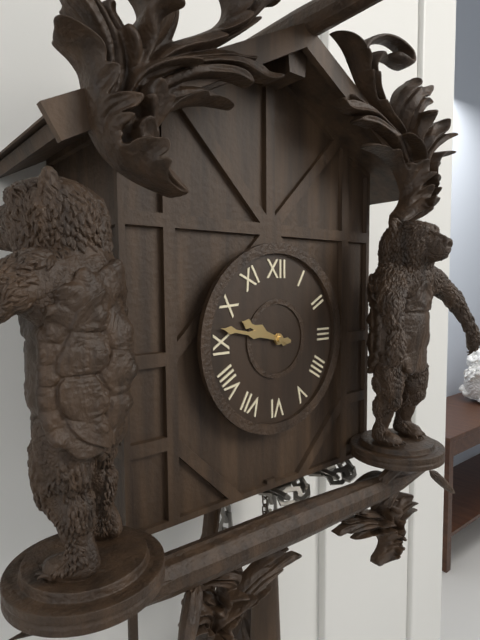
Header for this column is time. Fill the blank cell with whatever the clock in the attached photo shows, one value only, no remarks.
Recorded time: 9:47
